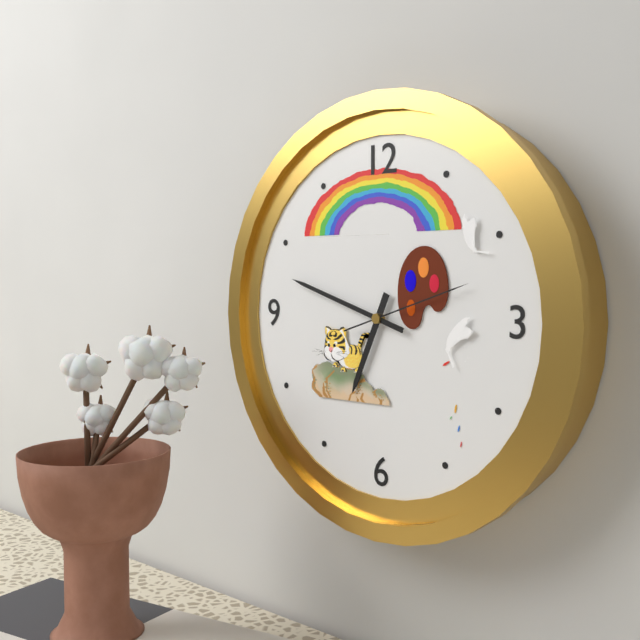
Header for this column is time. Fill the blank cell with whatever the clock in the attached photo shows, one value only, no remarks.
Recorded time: 6:48:12
